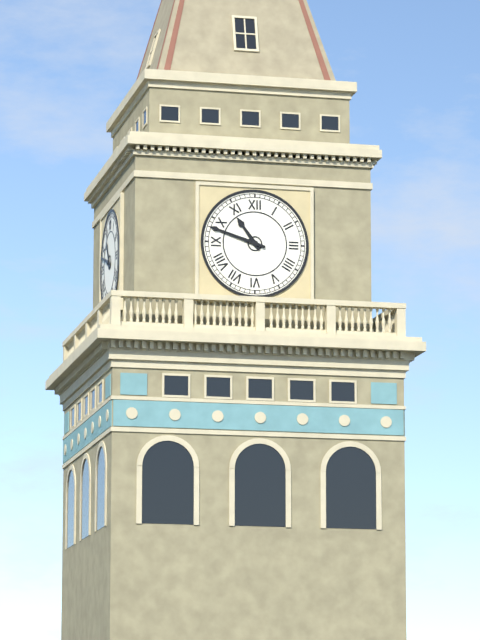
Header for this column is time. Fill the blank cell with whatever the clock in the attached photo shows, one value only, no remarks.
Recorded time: 10:48
